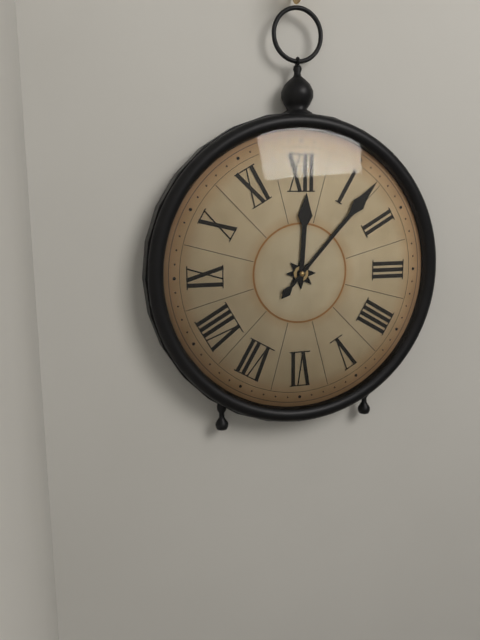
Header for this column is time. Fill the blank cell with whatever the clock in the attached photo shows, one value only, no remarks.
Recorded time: 12:07
